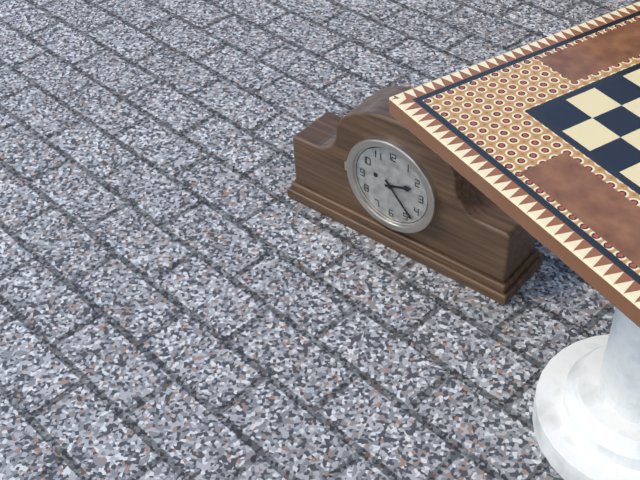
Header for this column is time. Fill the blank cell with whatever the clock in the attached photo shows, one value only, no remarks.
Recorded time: 2:23
